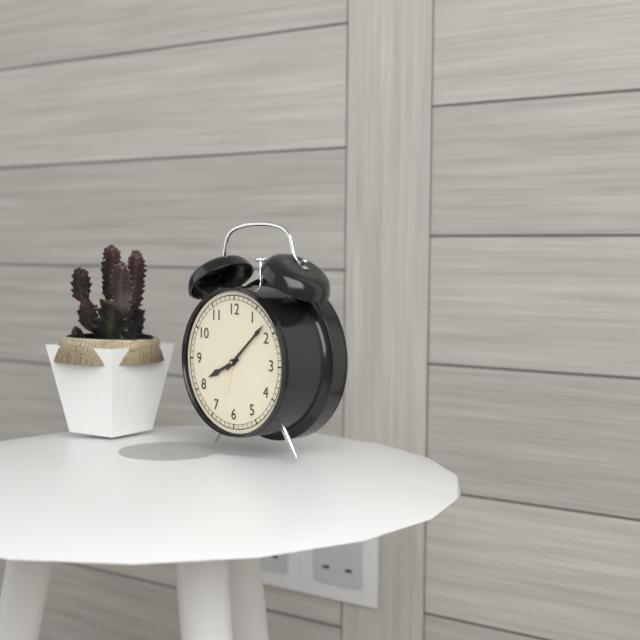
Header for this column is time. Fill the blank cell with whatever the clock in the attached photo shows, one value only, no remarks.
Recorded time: 8:08
